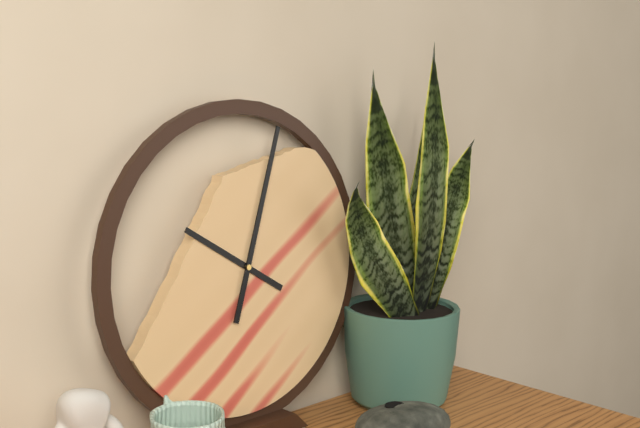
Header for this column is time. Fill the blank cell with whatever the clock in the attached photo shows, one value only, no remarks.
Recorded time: 10:03
